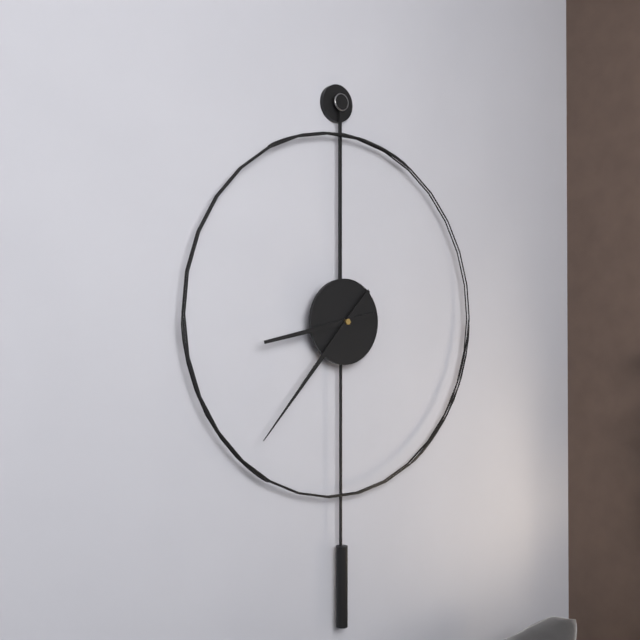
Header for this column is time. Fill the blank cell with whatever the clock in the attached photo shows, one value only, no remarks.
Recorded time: 8:37
